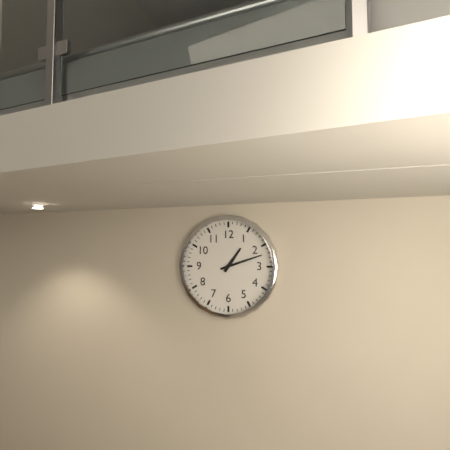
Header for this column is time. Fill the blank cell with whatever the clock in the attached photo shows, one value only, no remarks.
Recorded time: 1:12
